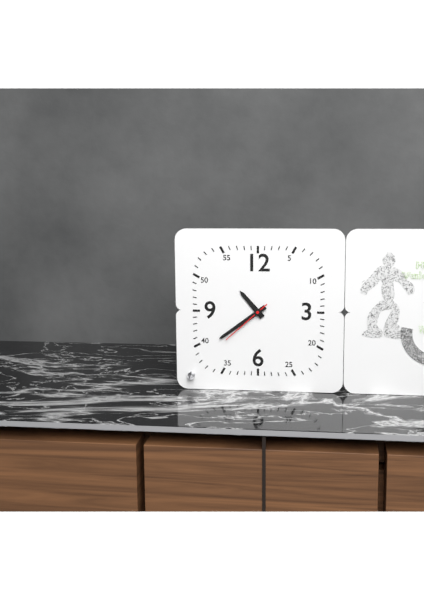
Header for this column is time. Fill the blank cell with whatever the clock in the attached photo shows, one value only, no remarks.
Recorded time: 10:39:38
